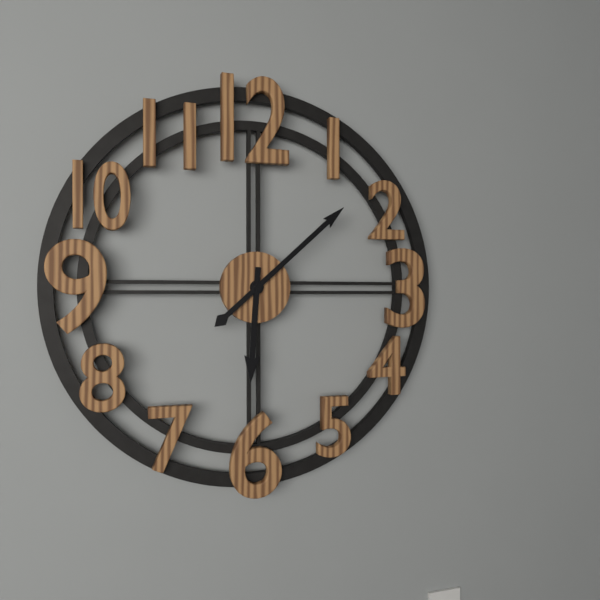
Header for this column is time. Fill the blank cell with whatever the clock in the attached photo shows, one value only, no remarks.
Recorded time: 6:08
